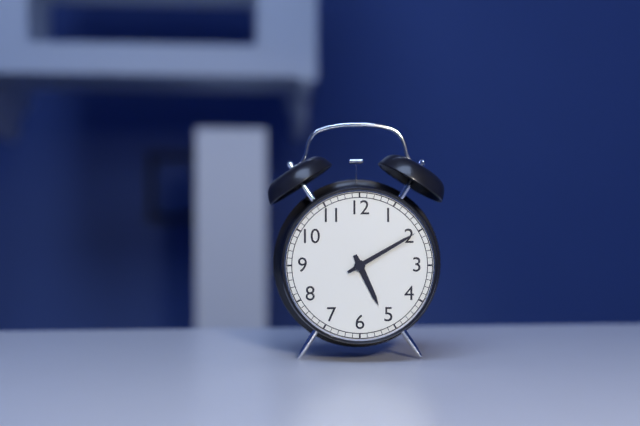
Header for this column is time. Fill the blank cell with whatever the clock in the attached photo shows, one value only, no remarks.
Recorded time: 5:10
